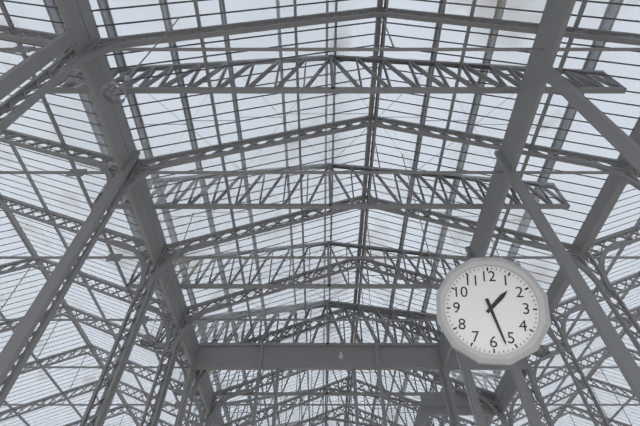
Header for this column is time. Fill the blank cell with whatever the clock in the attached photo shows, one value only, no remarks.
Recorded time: 1:27
